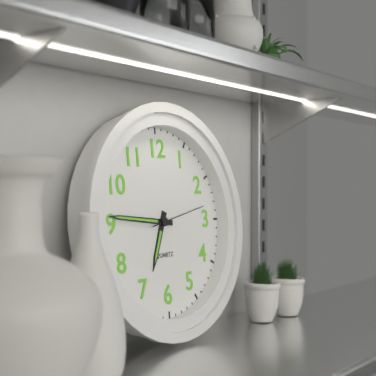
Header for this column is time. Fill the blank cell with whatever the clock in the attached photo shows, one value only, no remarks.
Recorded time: 6:46:13
